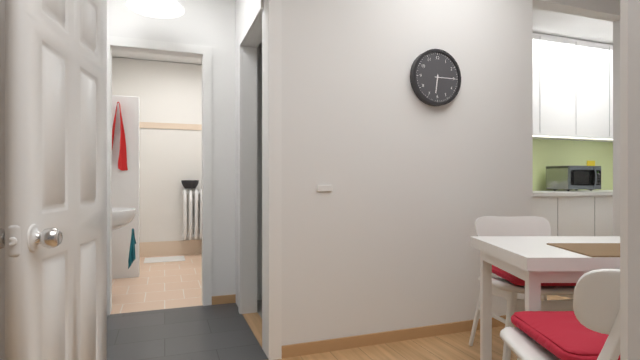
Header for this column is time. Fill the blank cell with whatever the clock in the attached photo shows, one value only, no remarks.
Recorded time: 6:15
